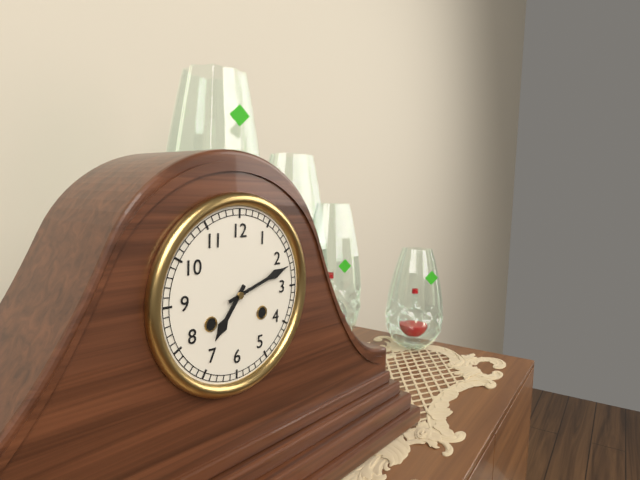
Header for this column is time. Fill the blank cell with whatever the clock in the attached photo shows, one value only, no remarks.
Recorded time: 7:12
